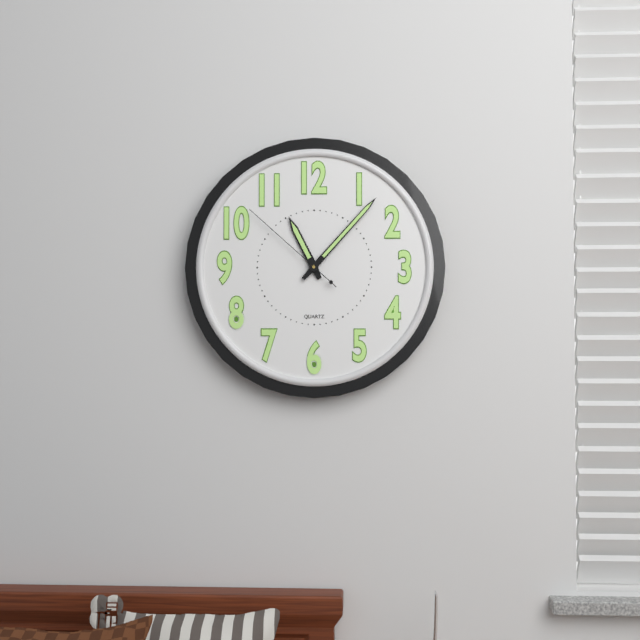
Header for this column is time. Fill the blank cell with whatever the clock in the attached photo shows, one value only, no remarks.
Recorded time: 11:07:52
